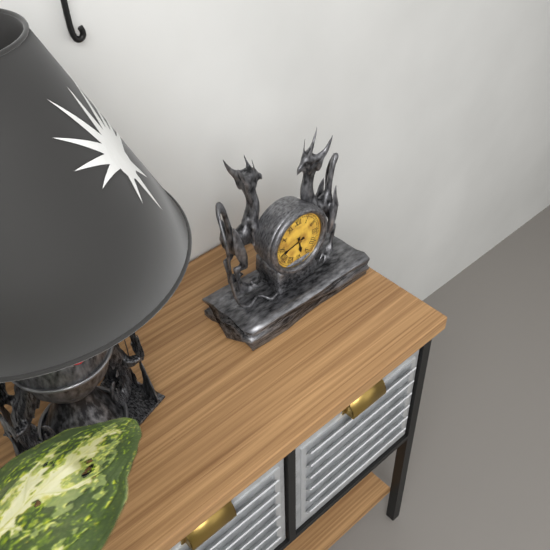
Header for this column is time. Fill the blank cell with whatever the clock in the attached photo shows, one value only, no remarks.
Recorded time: 5:43
